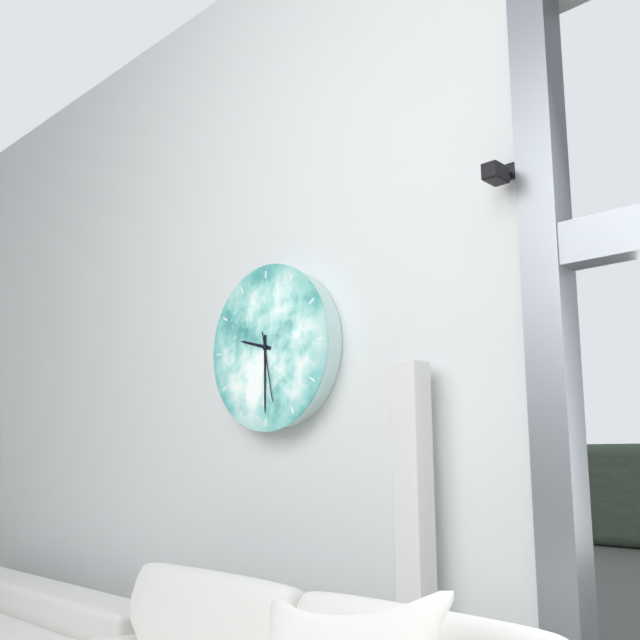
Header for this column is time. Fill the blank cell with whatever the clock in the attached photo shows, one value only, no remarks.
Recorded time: 9:30:28
